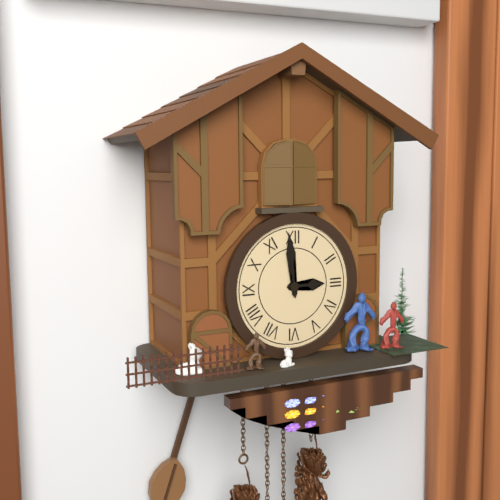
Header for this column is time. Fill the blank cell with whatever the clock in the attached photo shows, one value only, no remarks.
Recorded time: 2:59
